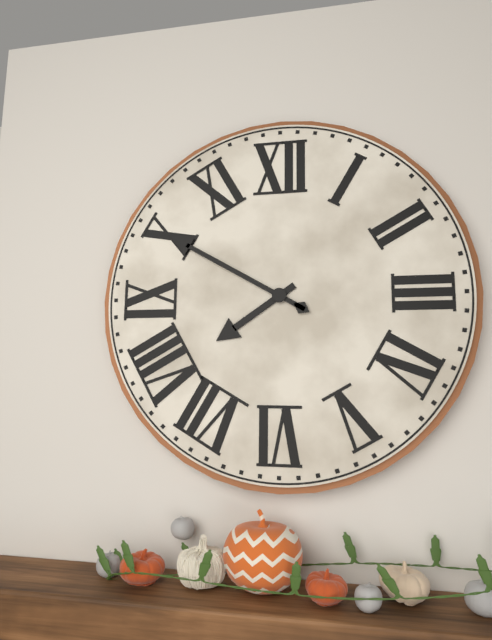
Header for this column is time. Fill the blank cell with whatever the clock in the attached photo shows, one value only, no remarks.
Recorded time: 7:50
